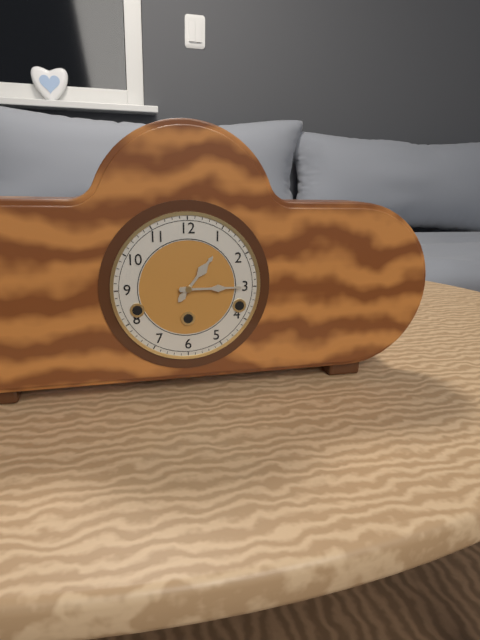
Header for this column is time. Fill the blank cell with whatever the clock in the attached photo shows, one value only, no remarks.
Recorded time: 1:15
